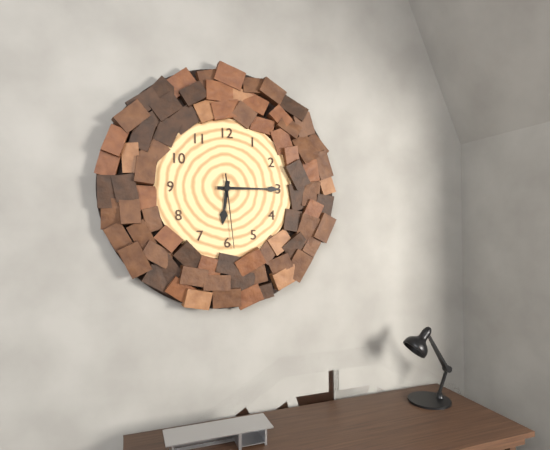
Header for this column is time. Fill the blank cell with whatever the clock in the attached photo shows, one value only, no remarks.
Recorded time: 6:15:29
